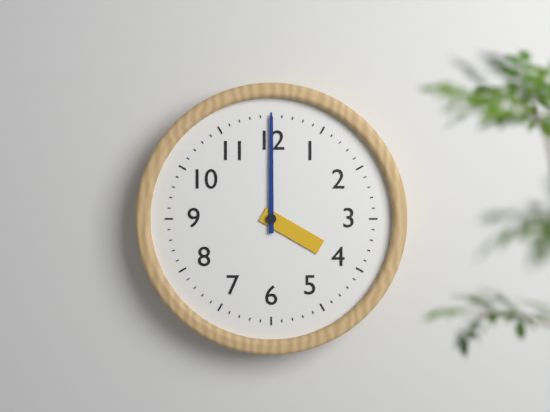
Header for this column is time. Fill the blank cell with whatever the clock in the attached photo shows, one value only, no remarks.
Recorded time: 4:00
